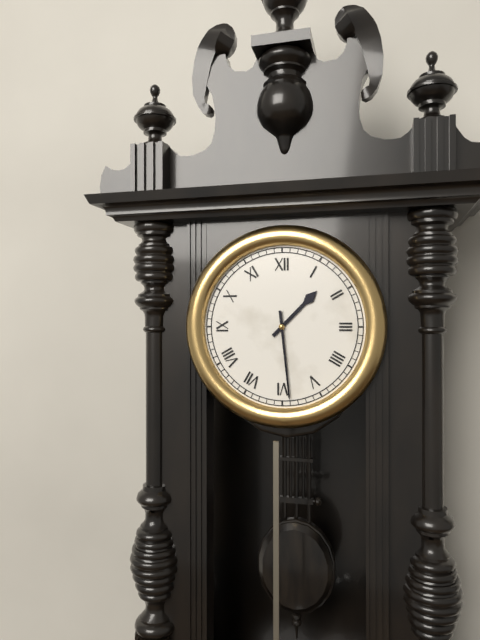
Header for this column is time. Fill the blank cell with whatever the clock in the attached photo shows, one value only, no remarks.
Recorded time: 1:29
